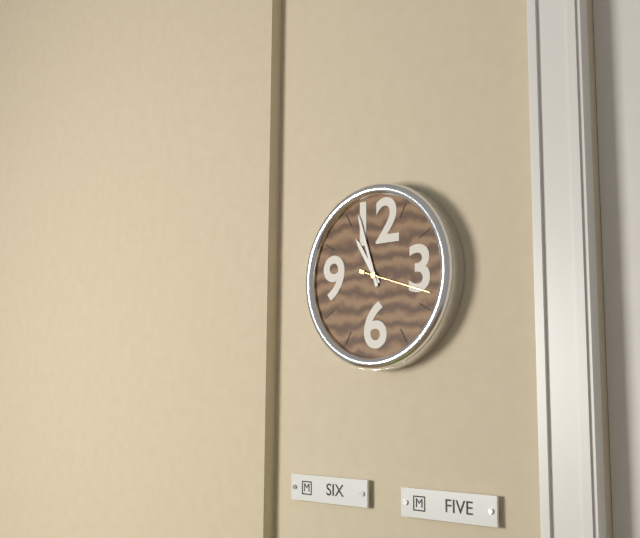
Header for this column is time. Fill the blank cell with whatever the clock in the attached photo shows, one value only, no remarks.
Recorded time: 10:57:18
